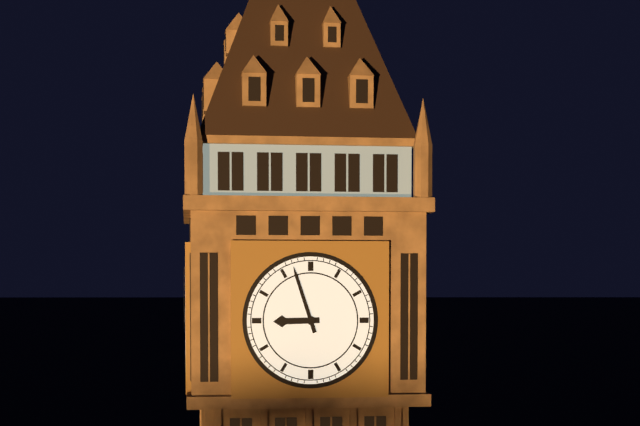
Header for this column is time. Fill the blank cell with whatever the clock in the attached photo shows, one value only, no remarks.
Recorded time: 8:57
